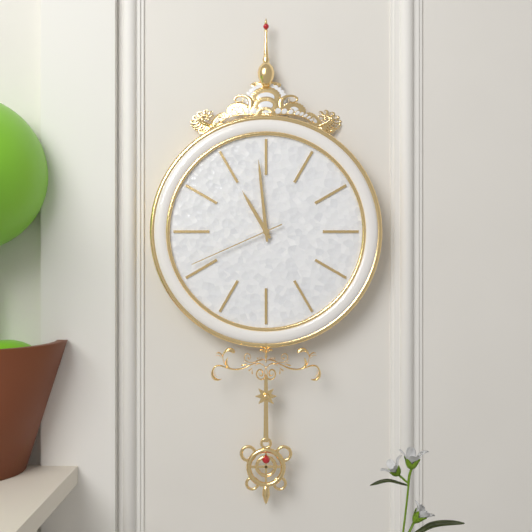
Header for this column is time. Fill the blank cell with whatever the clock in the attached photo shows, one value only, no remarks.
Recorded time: 10:59:41
